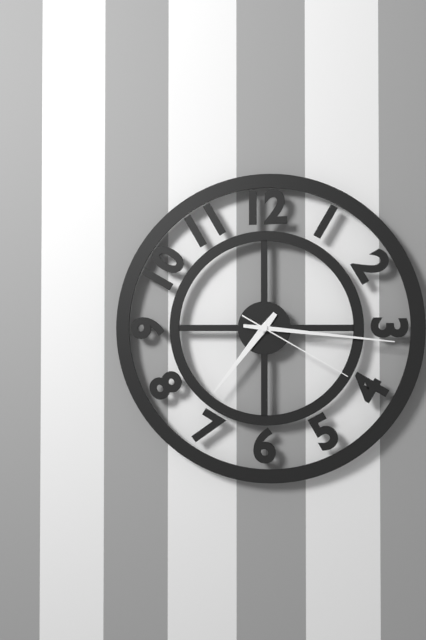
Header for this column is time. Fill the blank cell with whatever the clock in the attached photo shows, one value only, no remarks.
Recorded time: 7:16:20
